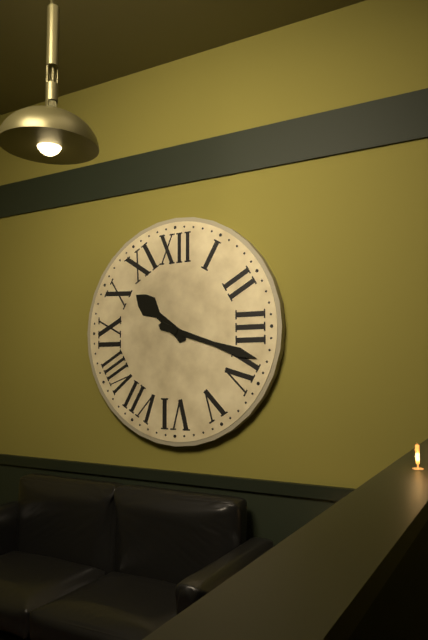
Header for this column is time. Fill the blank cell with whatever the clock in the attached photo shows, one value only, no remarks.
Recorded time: 10:18
